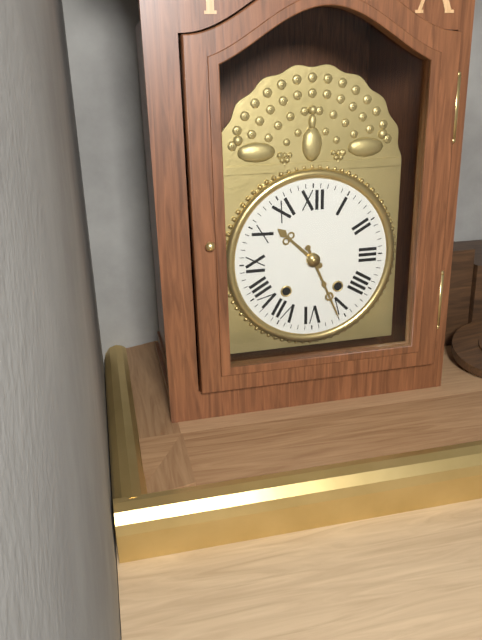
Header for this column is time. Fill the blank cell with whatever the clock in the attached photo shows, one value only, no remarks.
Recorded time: 10:26
